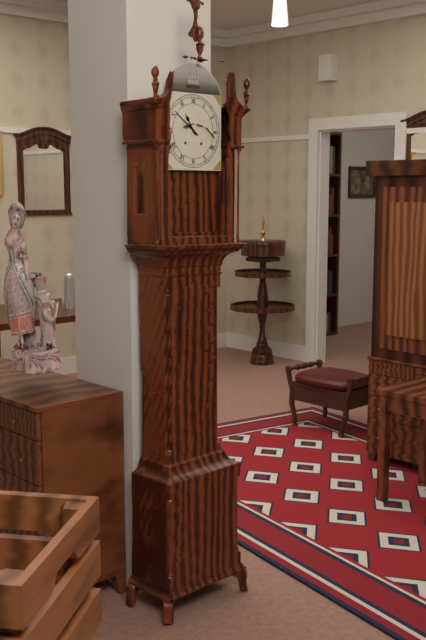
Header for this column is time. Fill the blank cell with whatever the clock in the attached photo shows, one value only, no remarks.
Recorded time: 10:51
